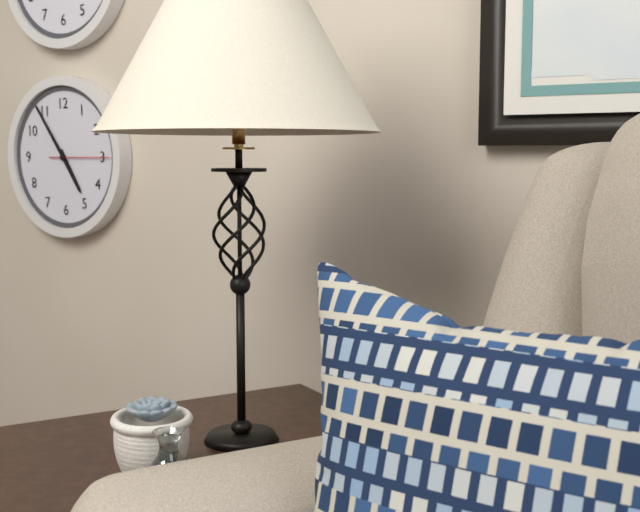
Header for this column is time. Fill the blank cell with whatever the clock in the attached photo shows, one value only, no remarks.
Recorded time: 4:54:15
